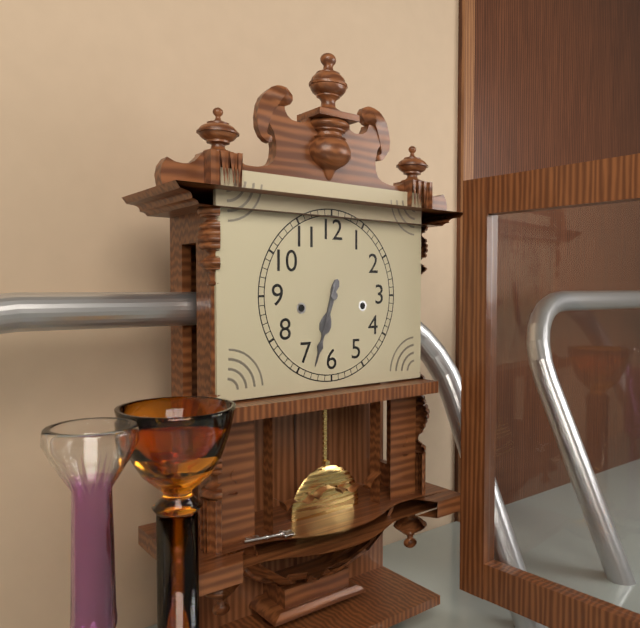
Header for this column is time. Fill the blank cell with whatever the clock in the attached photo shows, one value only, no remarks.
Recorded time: 6:33
